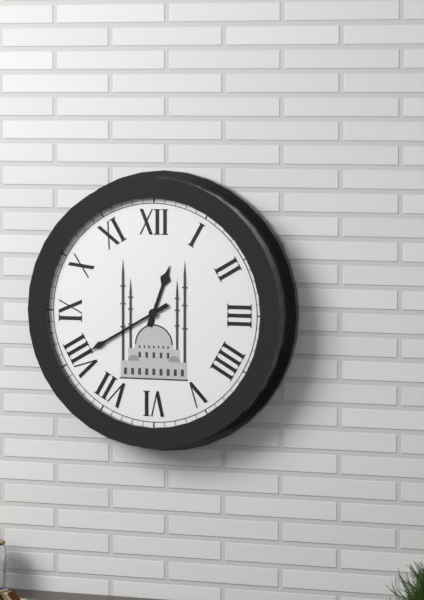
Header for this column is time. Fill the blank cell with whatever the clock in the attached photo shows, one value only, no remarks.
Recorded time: 12:40
